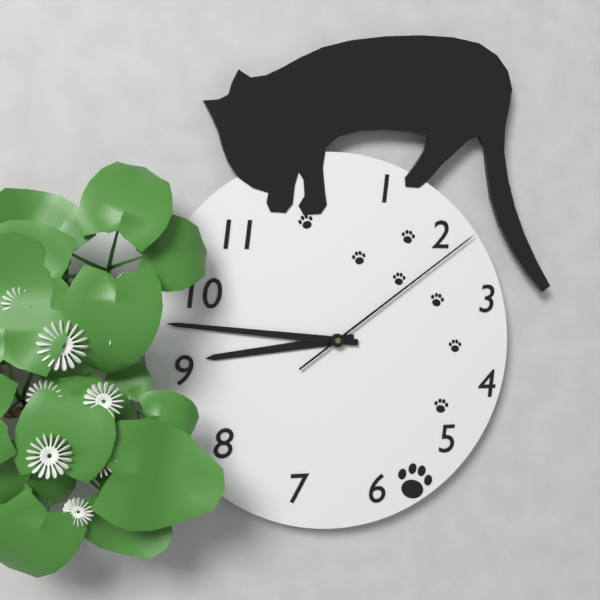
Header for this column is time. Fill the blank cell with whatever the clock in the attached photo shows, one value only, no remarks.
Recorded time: 8:46:09
